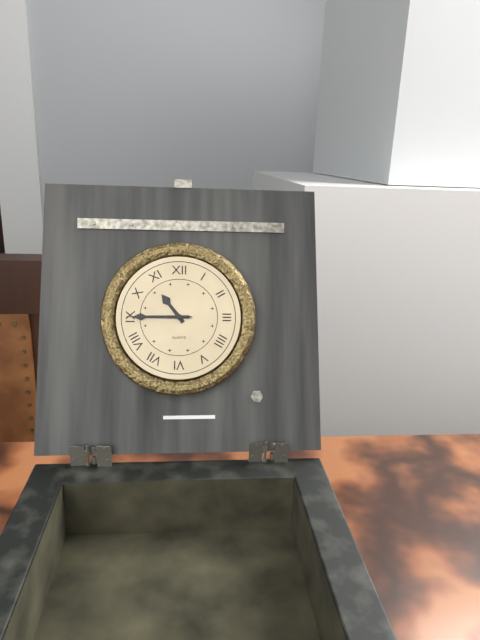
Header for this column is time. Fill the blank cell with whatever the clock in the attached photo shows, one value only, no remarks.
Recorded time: 10:45:45
